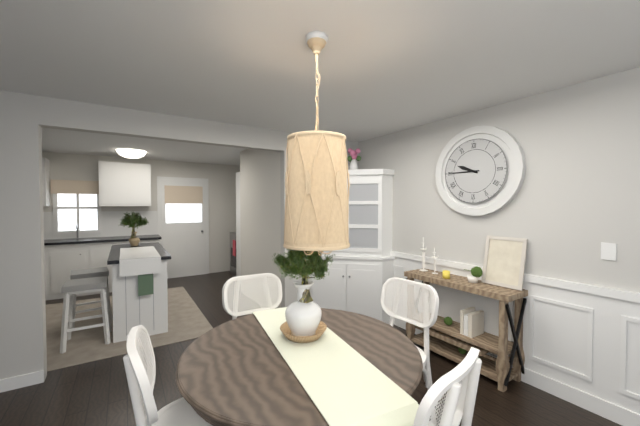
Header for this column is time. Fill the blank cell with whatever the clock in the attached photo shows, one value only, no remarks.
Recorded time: 9:45
